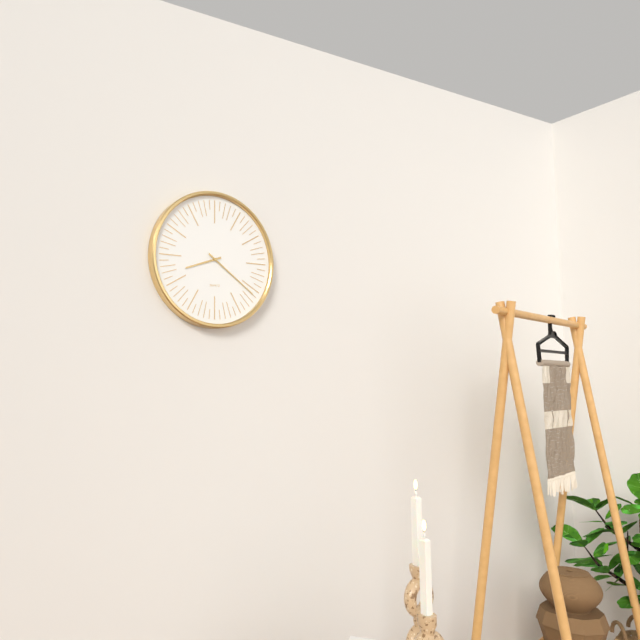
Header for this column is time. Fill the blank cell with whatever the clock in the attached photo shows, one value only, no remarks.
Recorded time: 8:21
